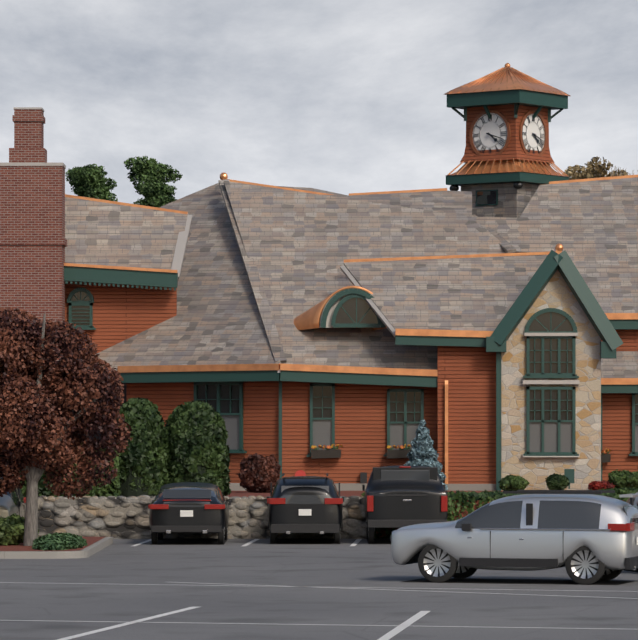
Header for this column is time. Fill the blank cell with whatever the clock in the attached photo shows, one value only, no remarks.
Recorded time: 4:18
